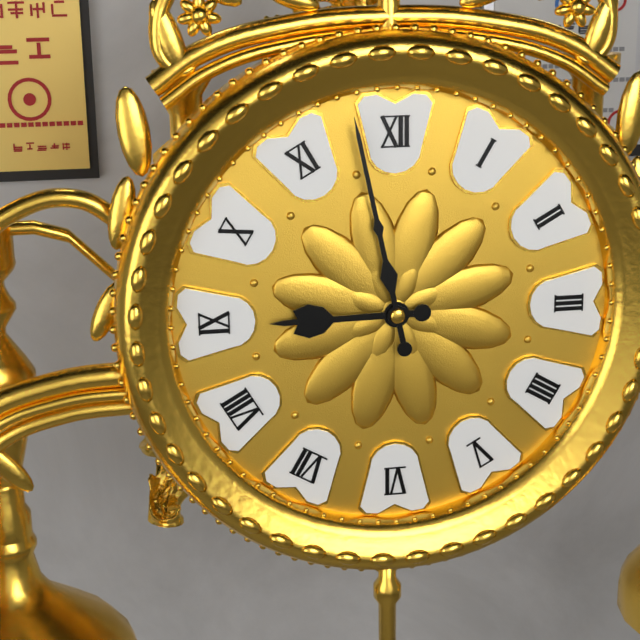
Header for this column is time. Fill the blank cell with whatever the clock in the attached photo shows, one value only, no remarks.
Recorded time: 8:58
